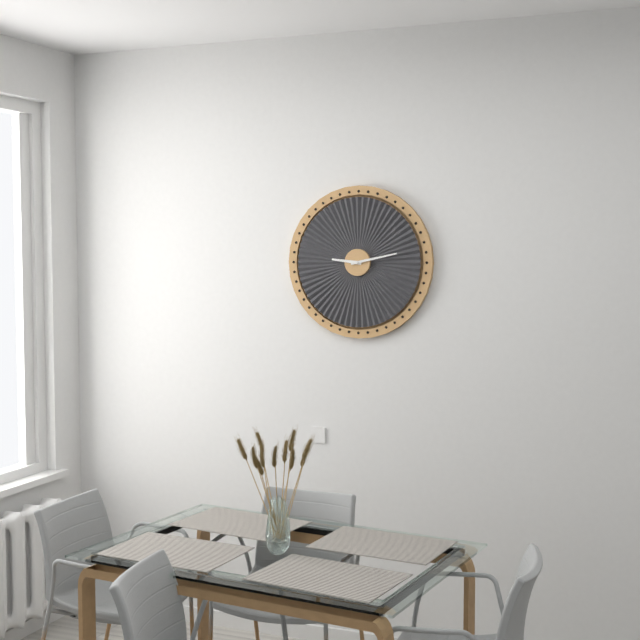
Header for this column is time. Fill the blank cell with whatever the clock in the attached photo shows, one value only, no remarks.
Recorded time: 9:13
